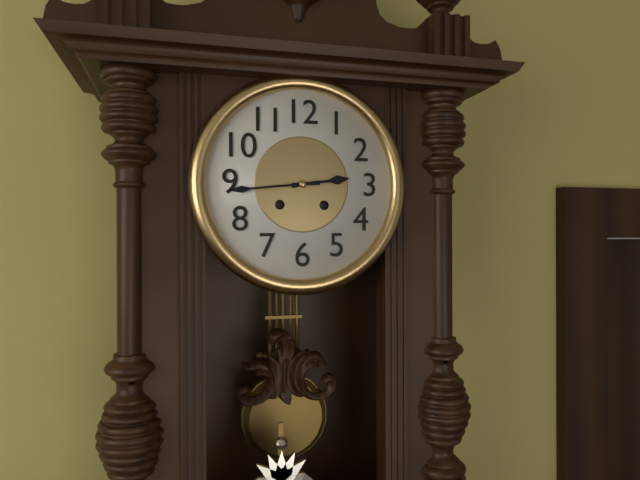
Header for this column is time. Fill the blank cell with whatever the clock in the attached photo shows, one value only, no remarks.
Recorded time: 2:44
